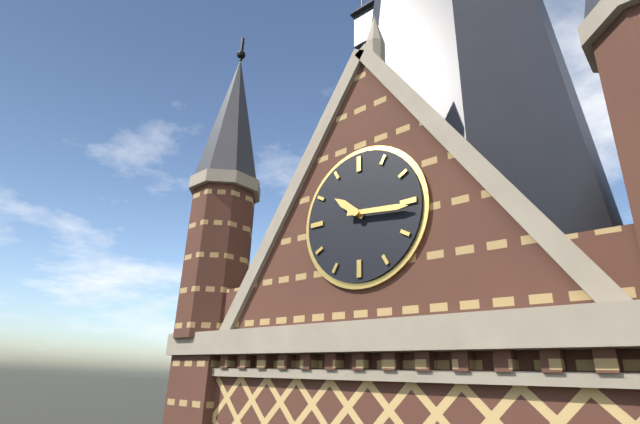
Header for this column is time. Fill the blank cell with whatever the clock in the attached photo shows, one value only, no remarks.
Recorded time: 10:16
